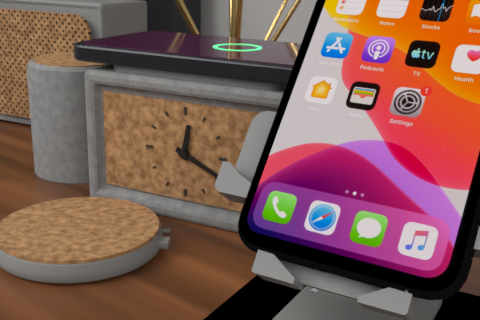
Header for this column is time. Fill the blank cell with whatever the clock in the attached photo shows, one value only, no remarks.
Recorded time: 12:19
